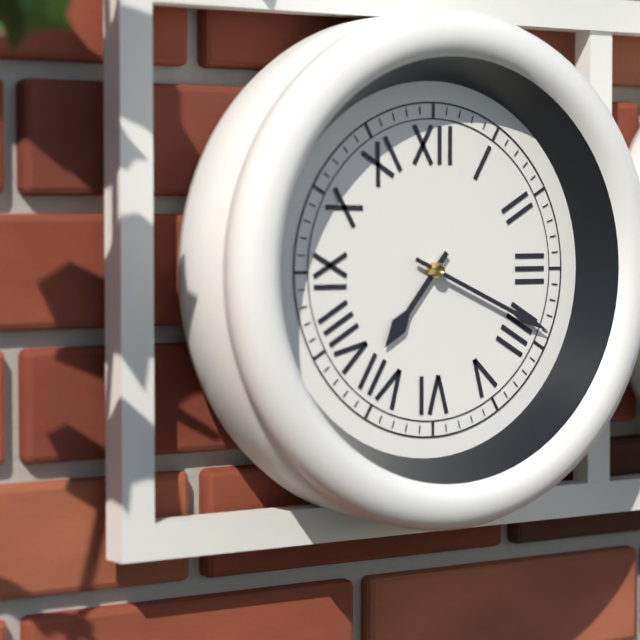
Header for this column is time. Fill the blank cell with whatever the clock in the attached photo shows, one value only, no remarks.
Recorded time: 7:19
